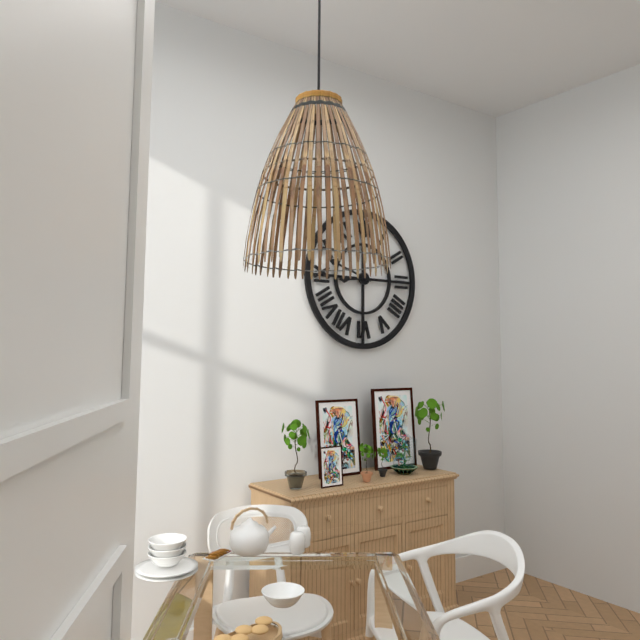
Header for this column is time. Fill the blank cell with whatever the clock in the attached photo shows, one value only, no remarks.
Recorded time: 8:48
